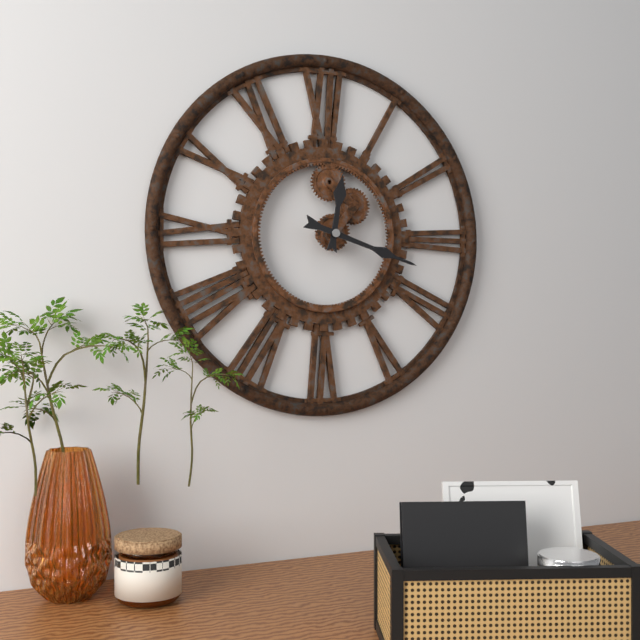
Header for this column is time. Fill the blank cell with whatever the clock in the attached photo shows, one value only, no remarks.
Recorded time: 12:18
